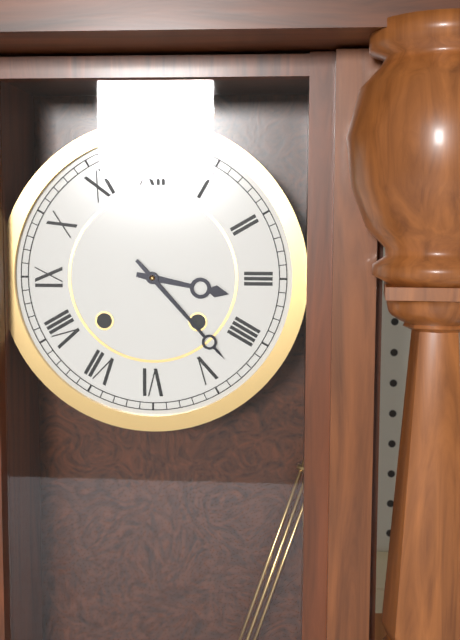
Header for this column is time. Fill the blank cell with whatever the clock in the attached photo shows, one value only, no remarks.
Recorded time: 3:23
